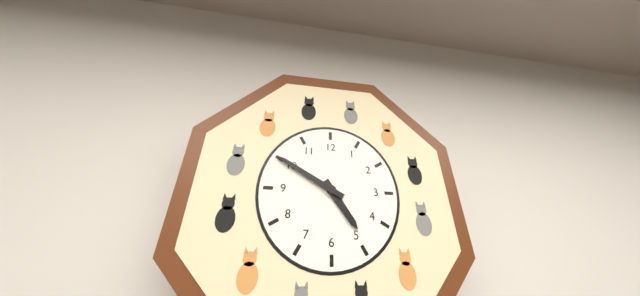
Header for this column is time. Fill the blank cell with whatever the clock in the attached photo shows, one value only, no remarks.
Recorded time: 4:50
